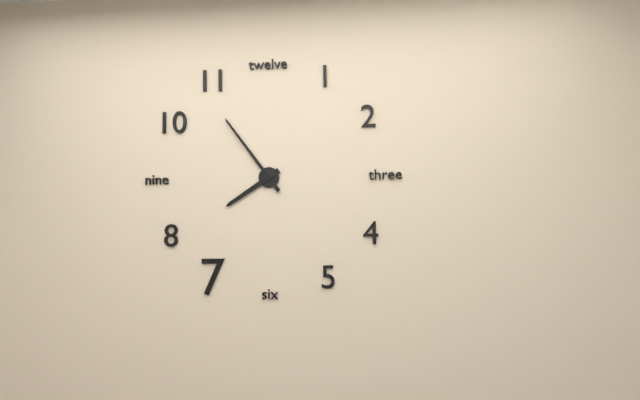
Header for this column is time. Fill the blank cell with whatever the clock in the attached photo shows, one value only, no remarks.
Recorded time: 7:54
